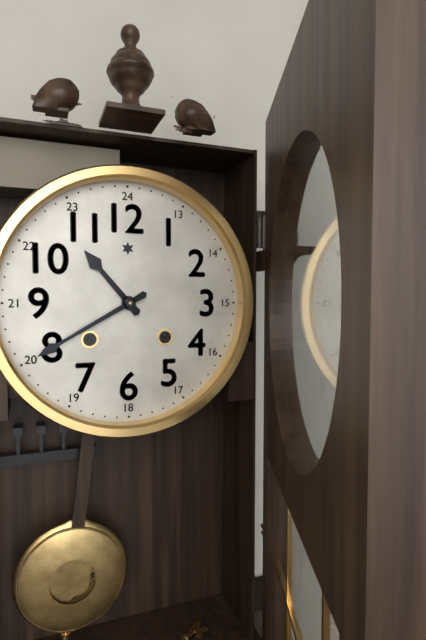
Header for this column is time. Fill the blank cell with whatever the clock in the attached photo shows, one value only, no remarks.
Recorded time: 10:40
